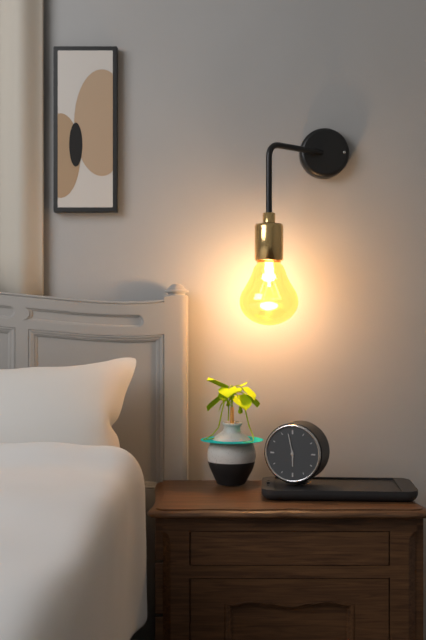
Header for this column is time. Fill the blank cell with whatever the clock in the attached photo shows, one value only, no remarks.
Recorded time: 5:58
